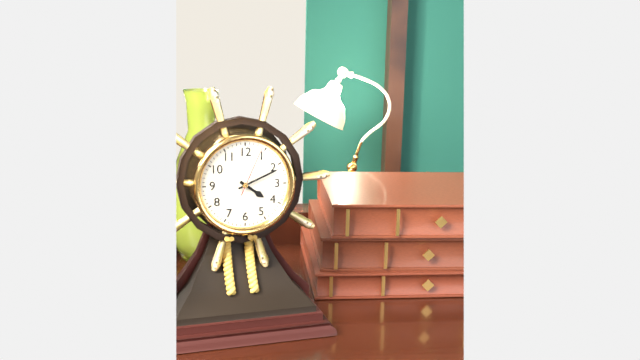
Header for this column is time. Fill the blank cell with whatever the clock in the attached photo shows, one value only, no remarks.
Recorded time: 4:11:04
